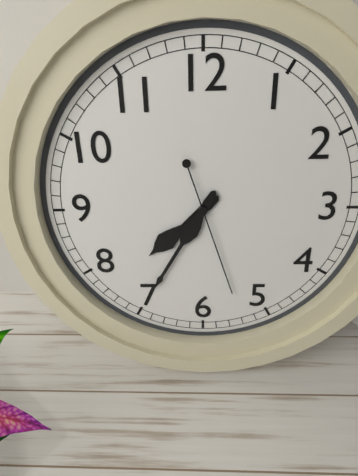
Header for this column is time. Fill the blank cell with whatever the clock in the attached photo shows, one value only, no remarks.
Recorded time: 7:35:27
